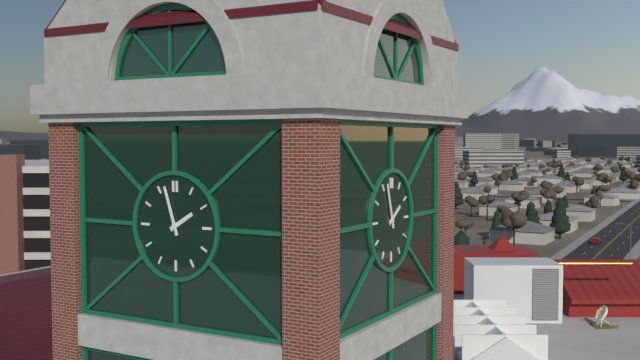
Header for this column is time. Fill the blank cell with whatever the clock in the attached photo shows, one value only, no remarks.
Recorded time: 1:57
